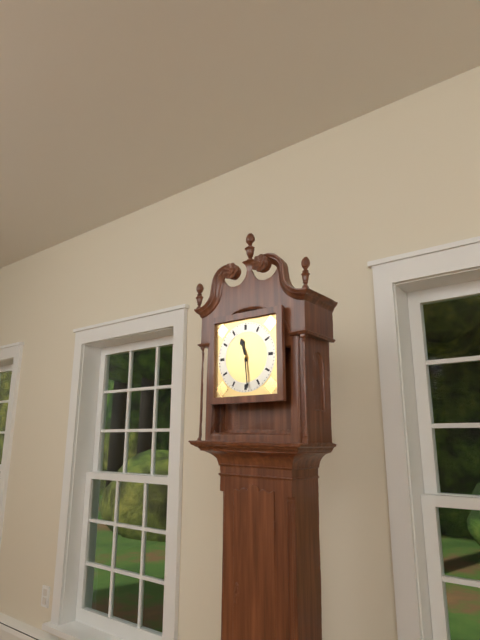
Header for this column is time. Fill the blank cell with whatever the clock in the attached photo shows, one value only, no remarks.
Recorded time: 11:29
